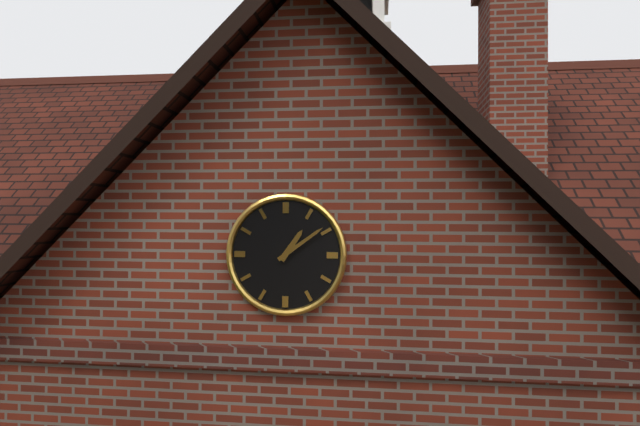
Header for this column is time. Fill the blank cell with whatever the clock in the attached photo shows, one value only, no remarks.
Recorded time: 1:09
